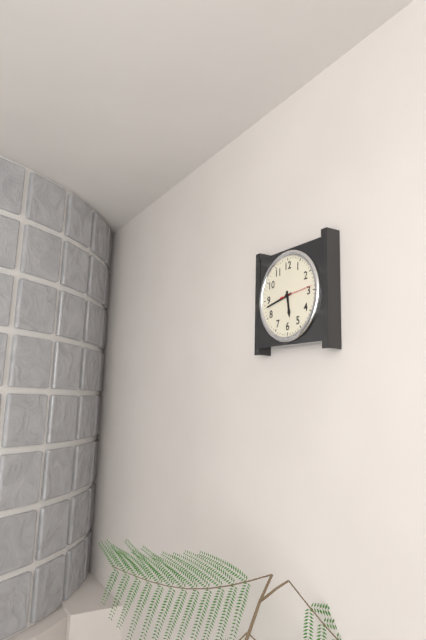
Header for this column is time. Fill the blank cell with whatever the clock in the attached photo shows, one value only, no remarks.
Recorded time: 5:43
